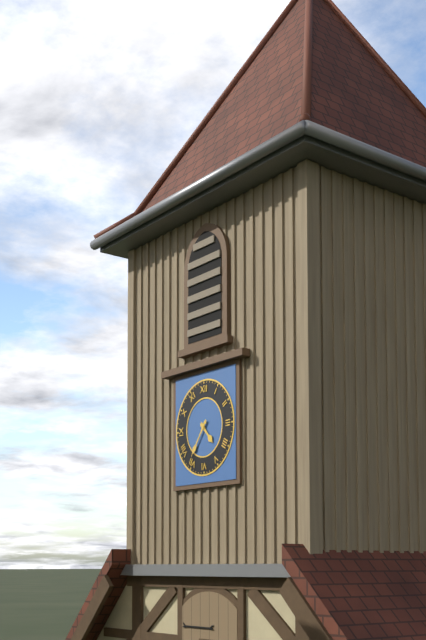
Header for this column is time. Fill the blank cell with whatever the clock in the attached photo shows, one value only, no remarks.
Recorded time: 4:36
